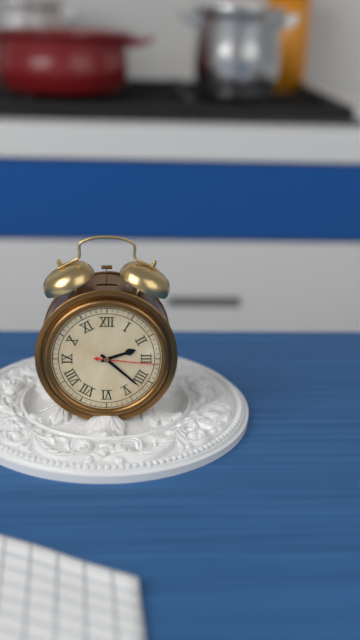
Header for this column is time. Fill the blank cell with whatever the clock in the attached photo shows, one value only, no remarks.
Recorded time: 2:22:16
